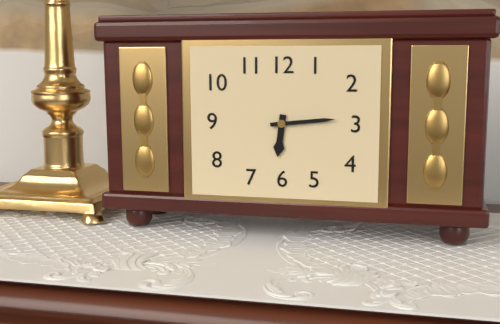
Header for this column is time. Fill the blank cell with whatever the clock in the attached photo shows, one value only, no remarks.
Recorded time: 6:14
